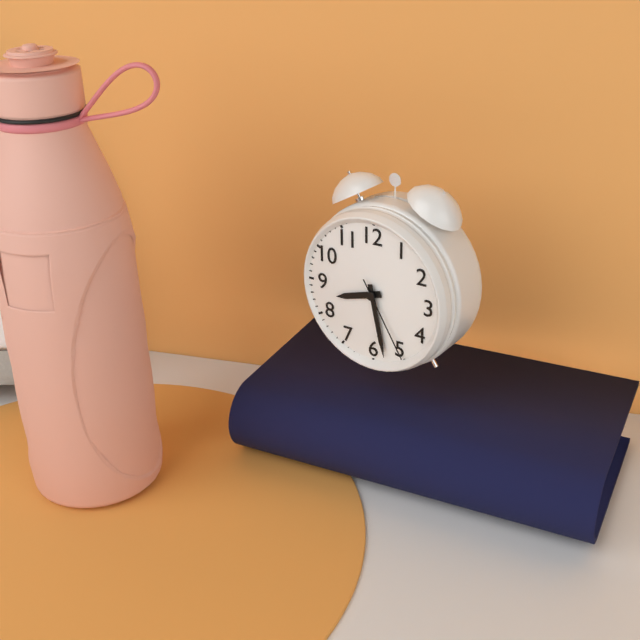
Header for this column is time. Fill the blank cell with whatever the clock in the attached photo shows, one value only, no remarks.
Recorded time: 8:28:25
